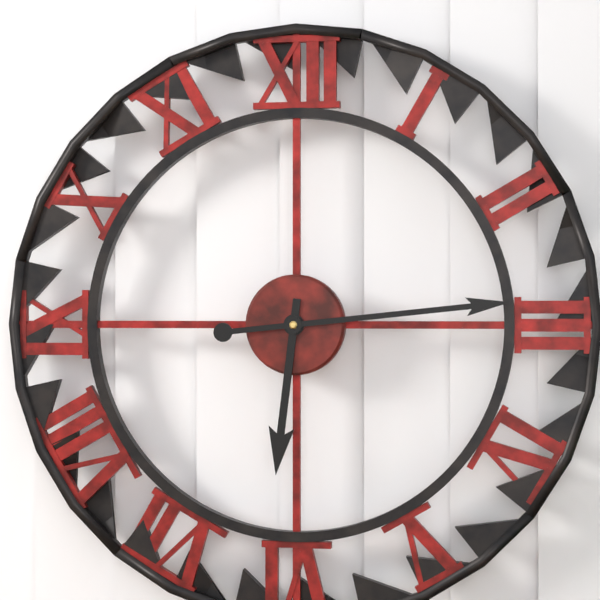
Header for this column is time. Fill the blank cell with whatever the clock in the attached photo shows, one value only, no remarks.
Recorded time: 6:14
